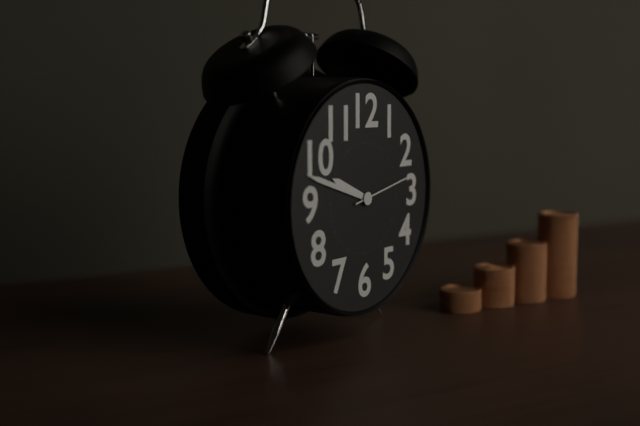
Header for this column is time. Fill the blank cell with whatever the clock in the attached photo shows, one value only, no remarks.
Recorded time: 9:48:13
